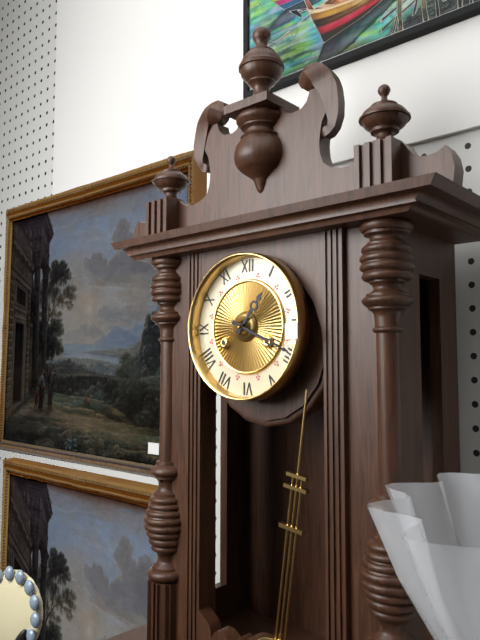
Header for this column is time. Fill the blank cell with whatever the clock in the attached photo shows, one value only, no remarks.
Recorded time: 1:19
